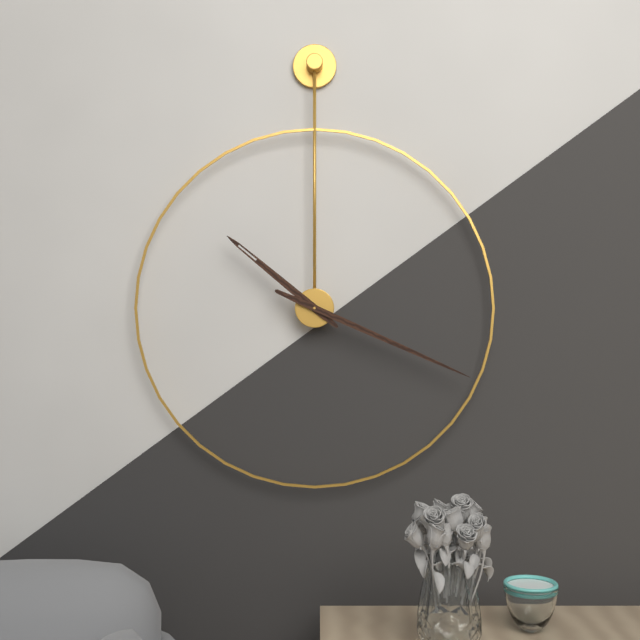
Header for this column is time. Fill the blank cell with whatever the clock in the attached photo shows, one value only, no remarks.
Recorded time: 10:19
